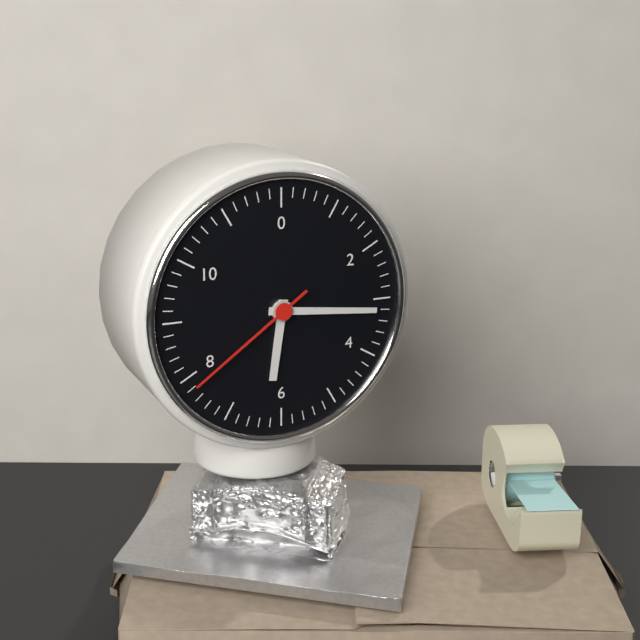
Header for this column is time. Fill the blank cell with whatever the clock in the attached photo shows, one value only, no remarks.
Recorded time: 6:16:39
